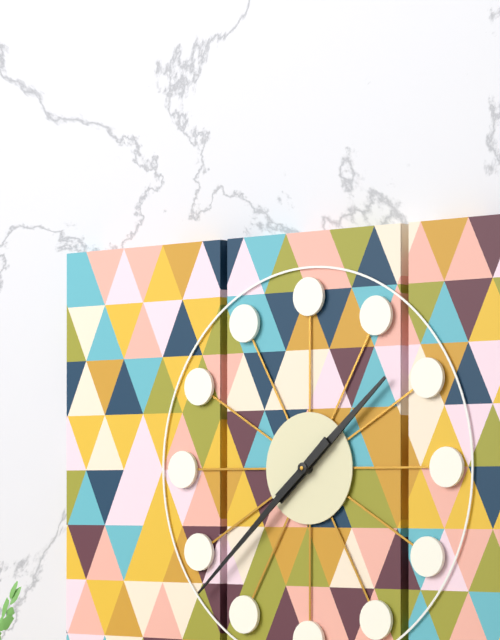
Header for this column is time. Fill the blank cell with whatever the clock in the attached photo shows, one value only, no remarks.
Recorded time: 1:38
